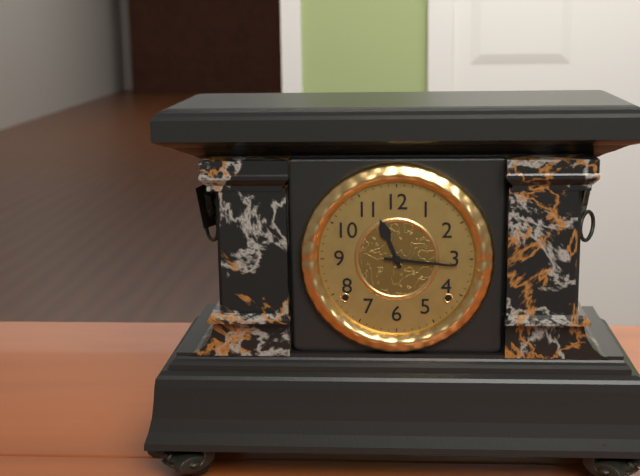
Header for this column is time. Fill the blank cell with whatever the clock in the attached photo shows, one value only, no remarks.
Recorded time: 11:16
